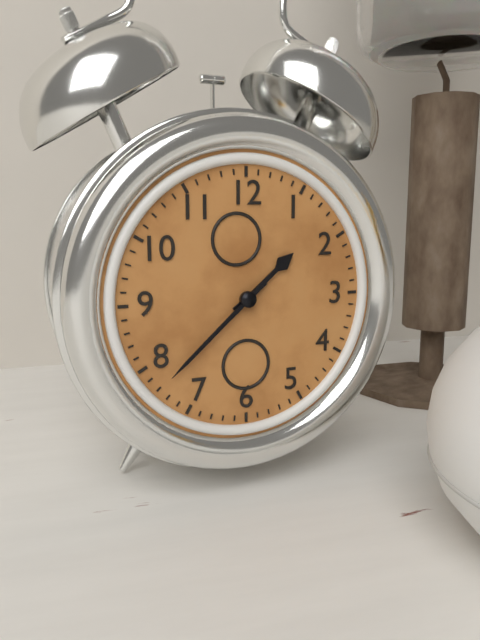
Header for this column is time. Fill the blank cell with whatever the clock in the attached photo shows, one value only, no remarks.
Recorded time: 1:38
